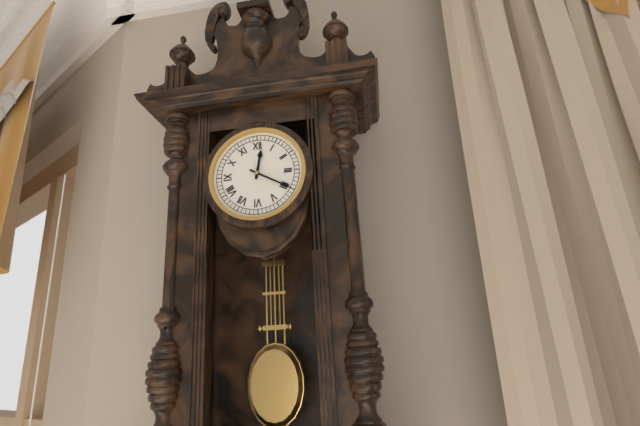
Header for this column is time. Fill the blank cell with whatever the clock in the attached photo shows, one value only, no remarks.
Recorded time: 12:20
